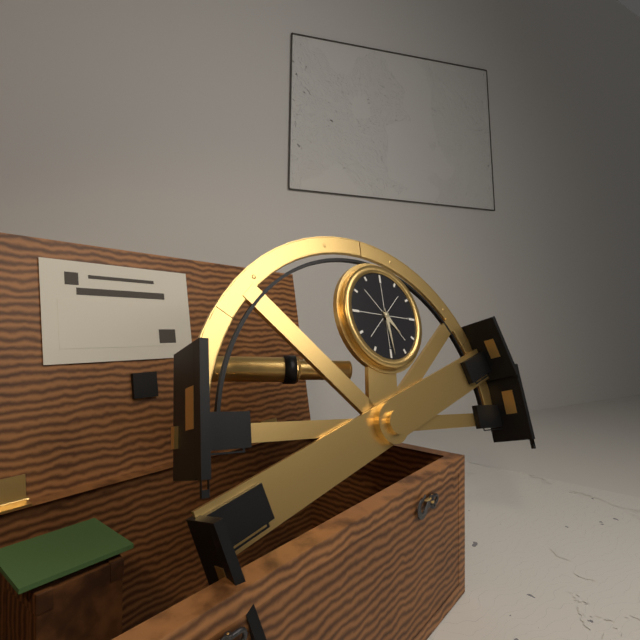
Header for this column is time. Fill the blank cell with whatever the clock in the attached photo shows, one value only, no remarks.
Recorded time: 4:29
